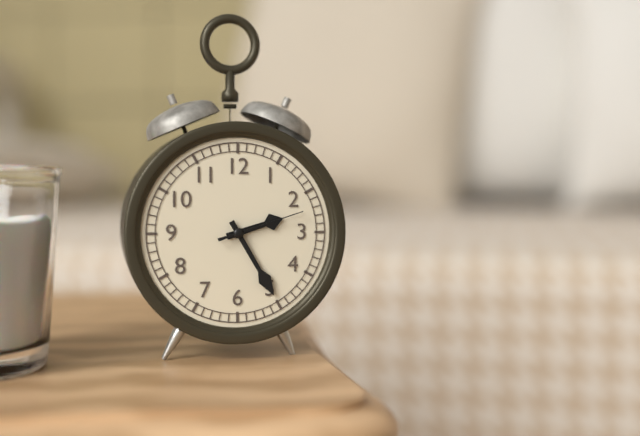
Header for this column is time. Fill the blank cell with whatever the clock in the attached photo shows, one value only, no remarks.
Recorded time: 2:25:12
